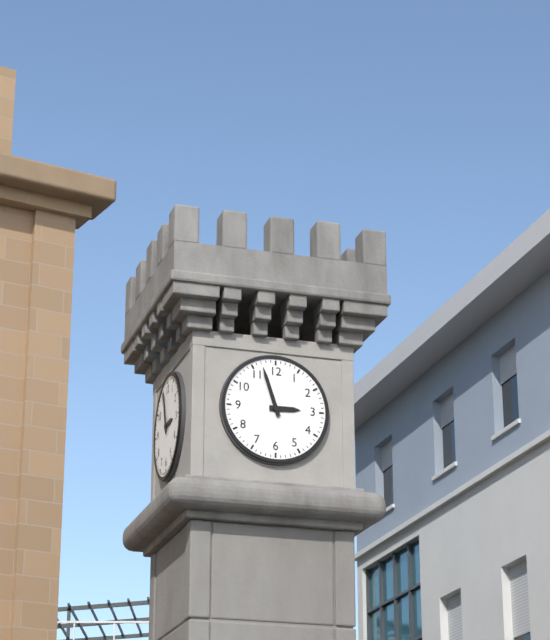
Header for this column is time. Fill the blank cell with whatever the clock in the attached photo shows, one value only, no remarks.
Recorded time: 2:57
